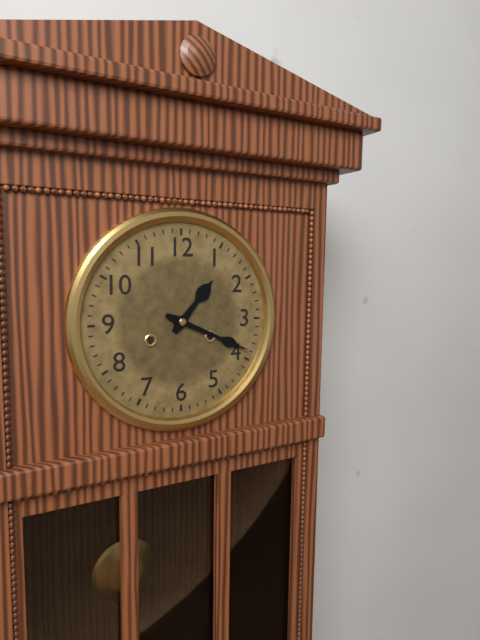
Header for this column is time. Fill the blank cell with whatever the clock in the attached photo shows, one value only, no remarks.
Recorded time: 1:19
